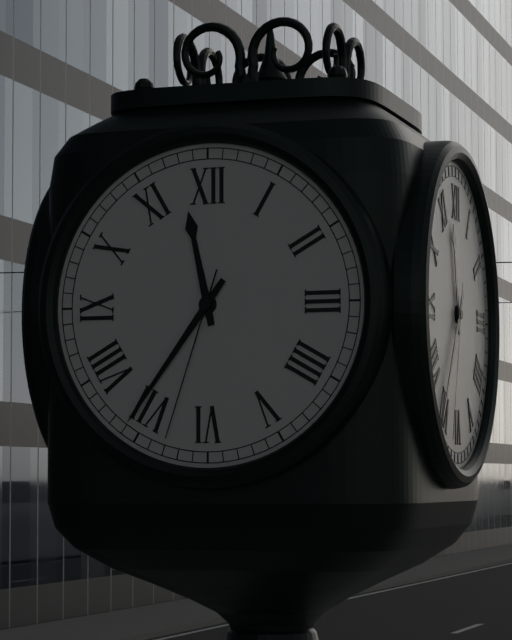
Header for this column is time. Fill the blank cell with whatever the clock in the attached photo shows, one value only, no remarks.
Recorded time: 11:36:33
